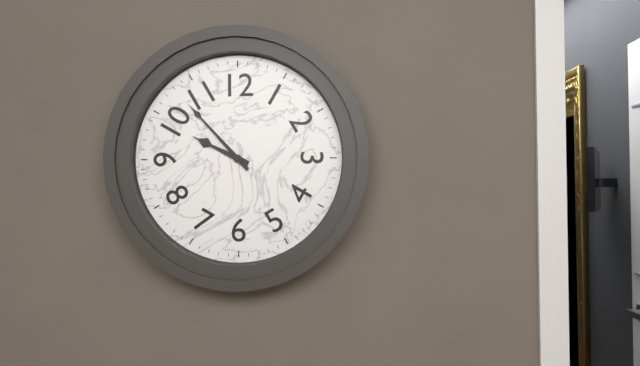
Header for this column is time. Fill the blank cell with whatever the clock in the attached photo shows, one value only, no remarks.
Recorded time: 9:53
